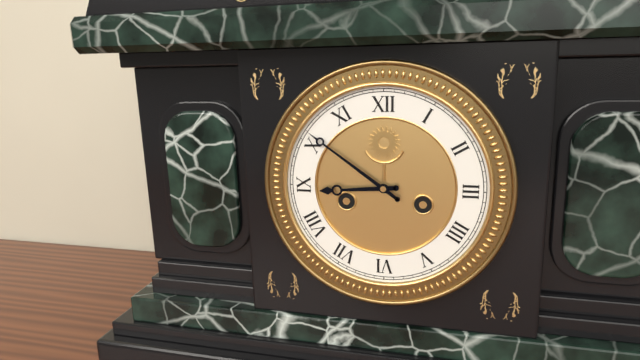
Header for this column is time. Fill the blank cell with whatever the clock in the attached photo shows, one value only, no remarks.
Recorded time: 8:51
